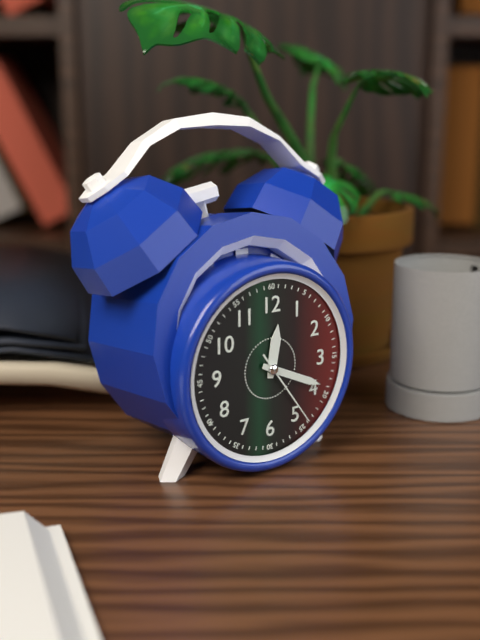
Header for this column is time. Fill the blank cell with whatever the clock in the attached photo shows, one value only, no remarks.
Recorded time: 12:19:24
